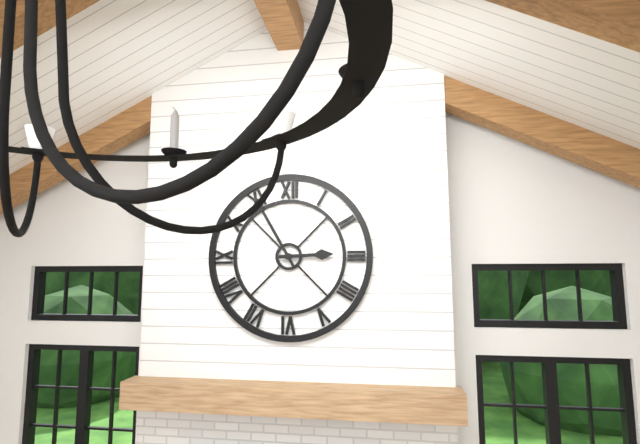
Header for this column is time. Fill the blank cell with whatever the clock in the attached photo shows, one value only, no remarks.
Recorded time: 2:55
